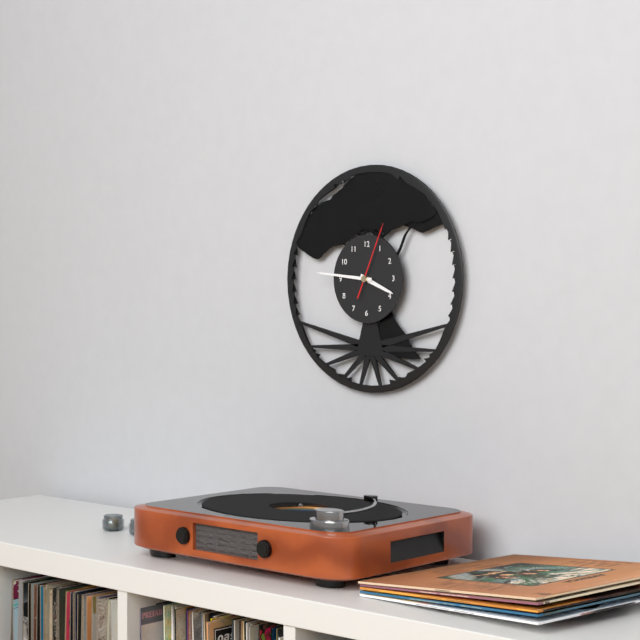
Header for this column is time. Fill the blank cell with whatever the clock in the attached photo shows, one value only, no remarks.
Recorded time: 3:46:04
